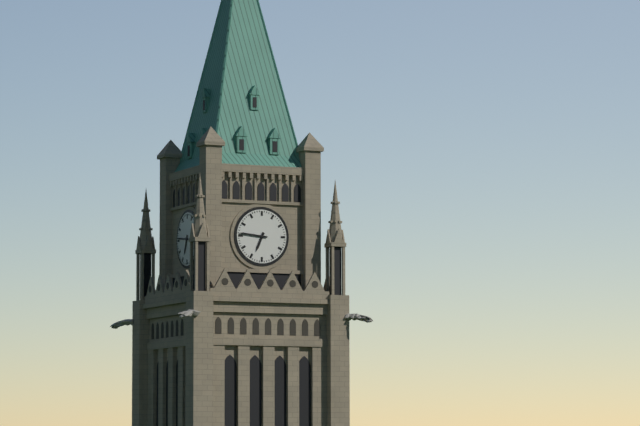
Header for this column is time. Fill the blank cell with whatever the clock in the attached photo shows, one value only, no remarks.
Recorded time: 6:46
